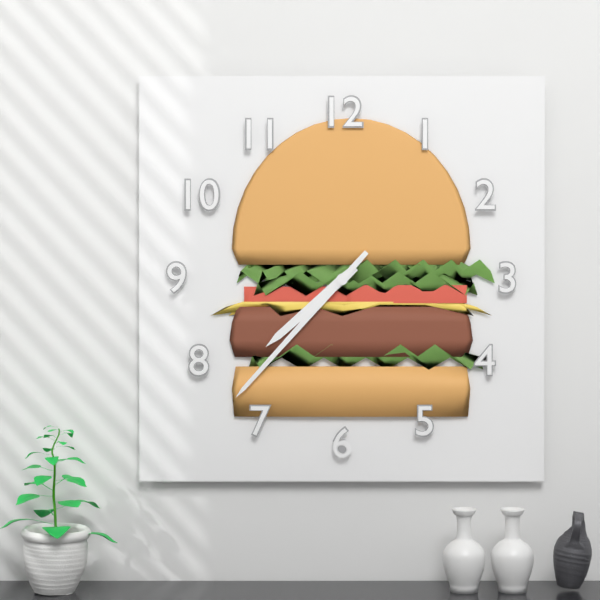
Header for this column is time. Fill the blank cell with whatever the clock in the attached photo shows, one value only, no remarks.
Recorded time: 7:37
